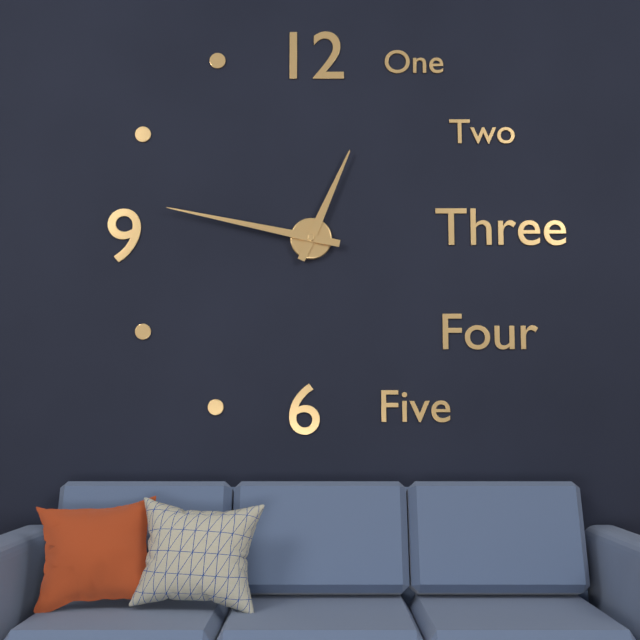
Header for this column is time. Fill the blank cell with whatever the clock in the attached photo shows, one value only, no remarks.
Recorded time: 12:47
